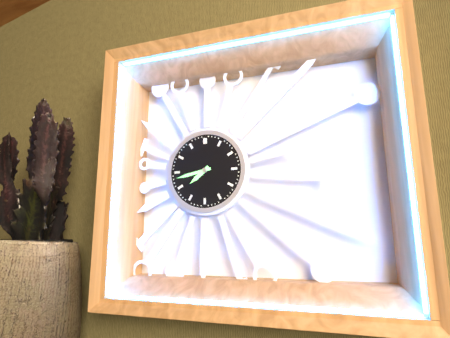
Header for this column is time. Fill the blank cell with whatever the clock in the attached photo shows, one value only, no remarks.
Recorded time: 7:43
